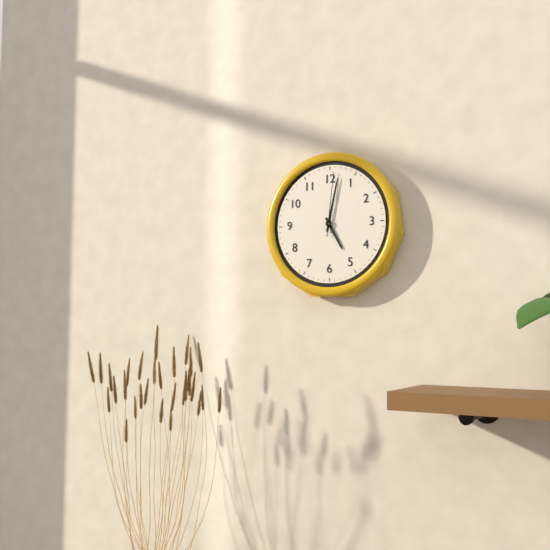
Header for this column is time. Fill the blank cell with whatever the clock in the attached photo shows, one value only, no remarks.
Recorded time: 5:02:01
